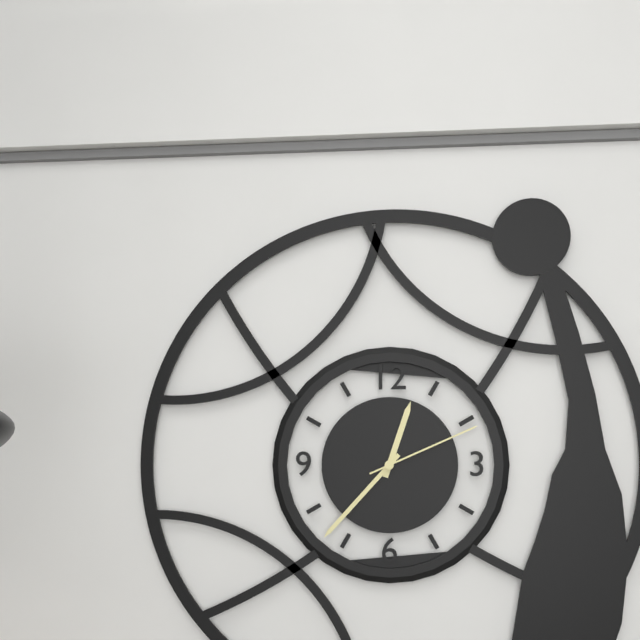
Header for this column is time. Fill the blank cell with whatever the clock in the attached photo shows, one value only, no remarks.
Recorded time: 12:37:11
